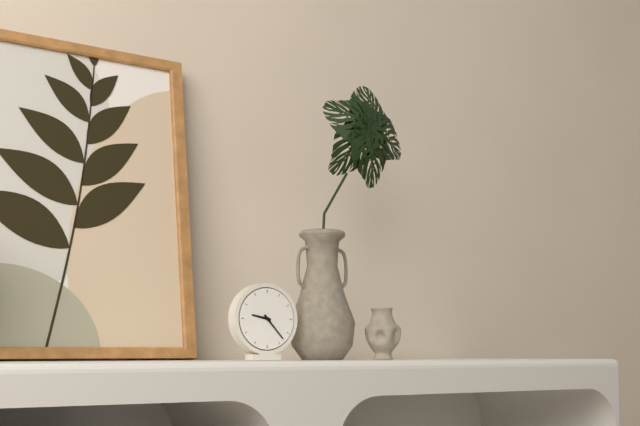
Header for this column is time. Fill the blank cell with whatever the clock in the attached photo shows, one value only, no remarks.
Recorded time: 9:23
